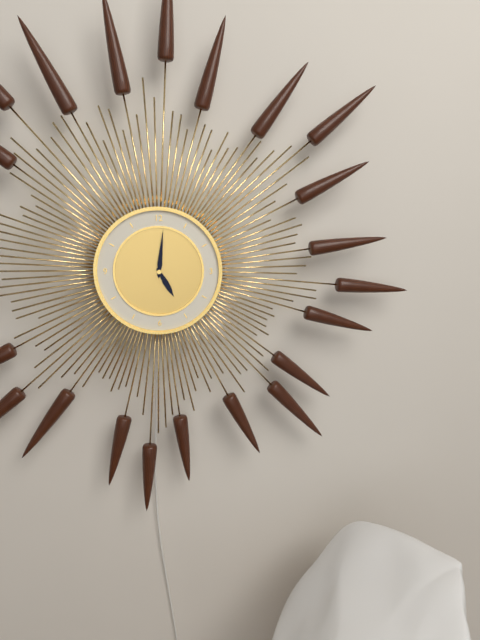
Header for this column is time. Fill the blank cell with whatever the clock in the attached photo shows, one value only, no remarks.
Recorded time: 5:01
